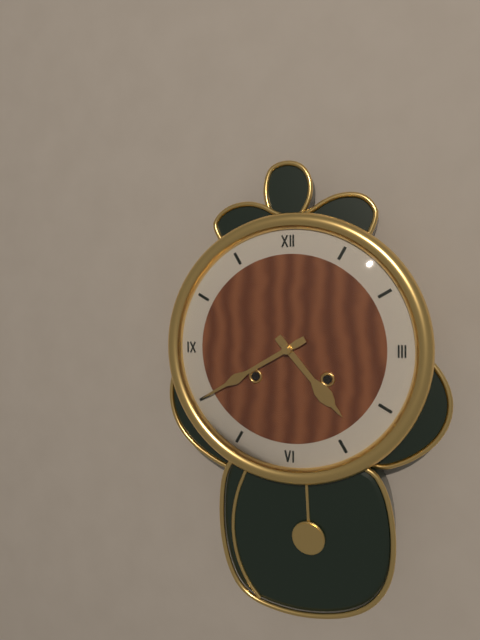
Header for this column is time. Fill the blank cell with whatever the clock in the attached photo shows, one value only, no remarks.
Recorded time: 4:40
